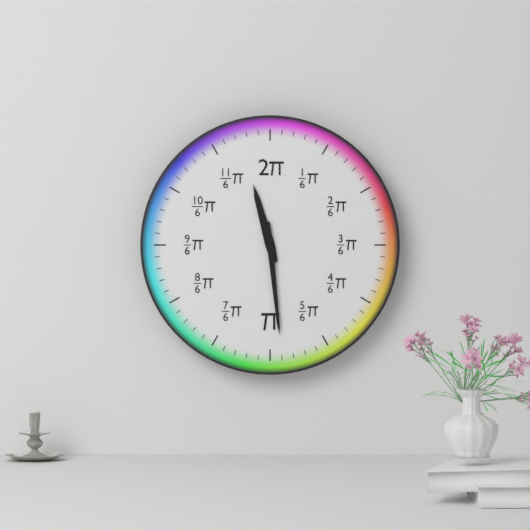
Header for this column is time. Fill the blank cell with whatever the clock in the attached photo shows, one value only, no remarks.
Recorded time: 11:29
